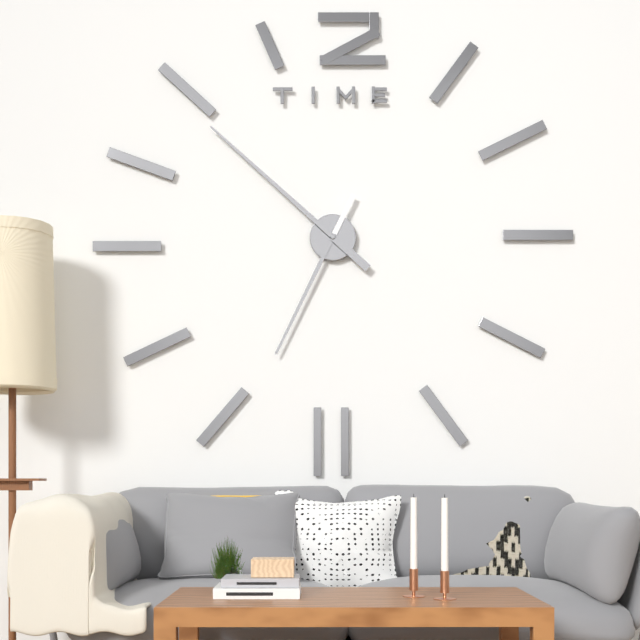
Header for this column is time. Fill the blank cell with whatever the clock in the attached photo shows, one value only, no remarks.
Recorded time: 6:52
